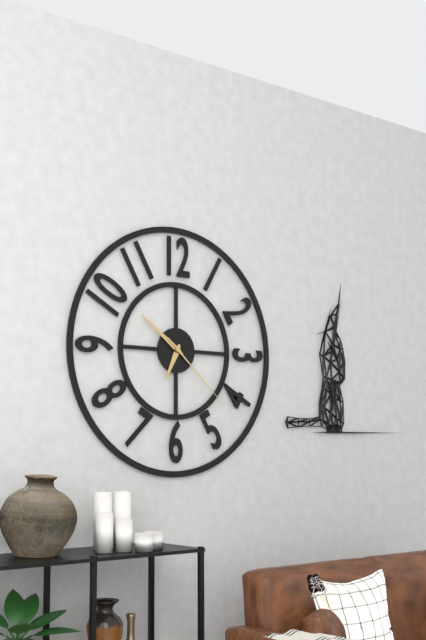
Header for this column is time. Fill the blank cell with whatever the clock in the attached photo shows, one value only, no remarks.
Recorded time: 6:51:22
